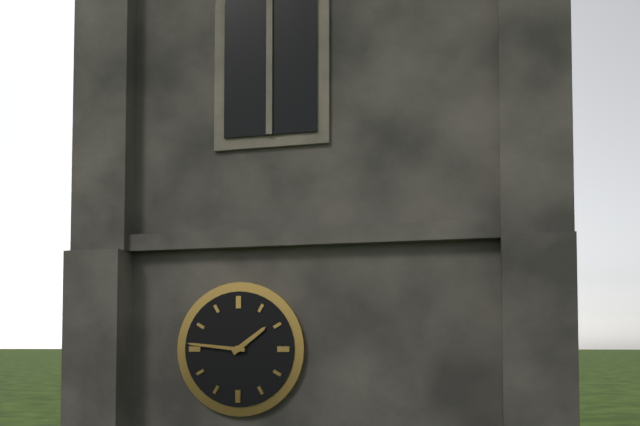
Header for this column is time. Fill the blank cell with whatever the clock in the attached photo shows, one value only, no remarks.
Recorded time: 1:46
